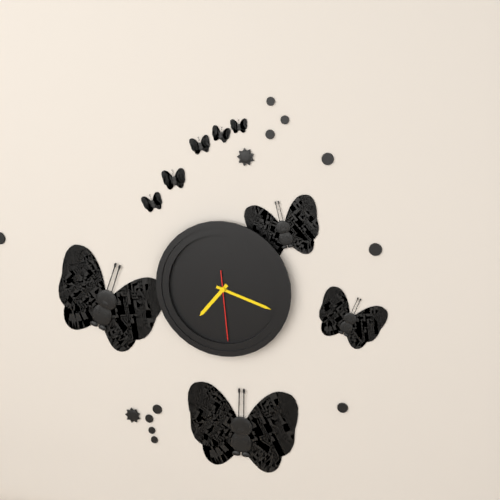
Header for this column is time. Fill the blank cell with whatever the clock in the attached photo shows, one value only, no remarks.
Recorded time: 7:18:29
